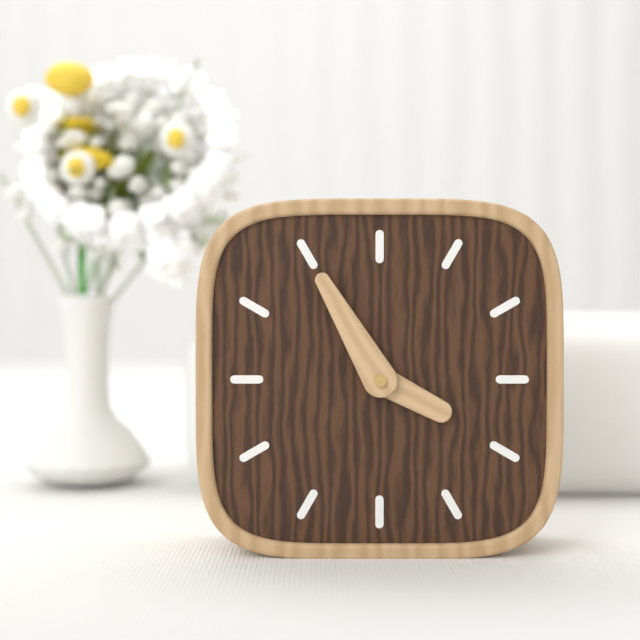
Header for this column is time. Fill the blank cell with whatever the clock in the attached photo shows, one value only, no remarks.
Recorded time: 3:55
